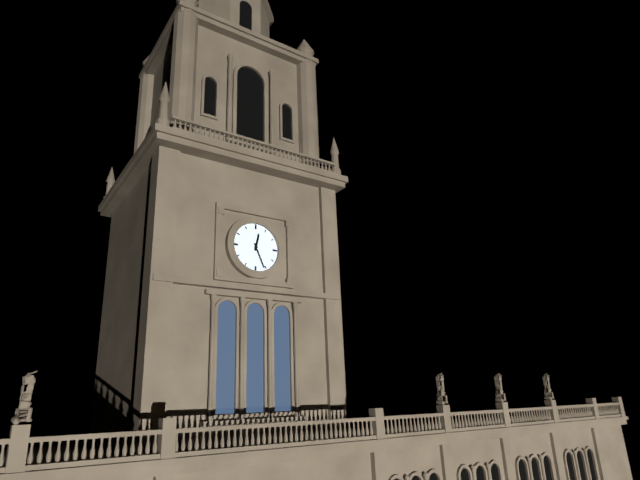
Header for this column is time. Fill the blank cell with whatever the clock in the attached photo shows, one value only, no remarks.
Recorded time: 12:26
